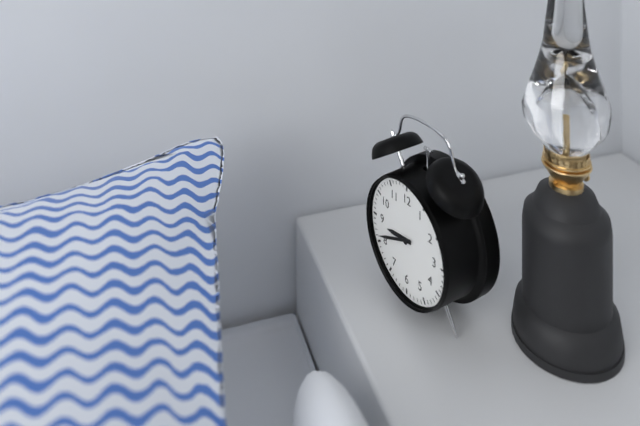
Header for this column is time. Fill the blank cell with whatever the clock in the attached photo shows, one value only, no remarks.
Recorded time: 8:41
